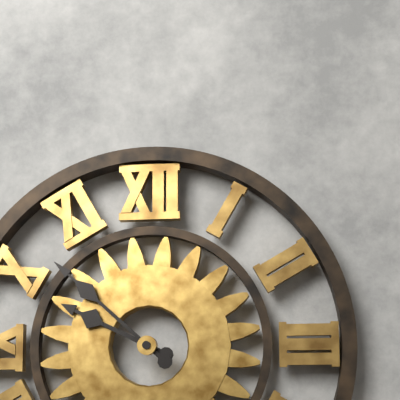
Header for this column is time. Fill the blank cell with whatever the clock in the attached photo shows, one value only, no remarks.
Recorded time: 9:52
